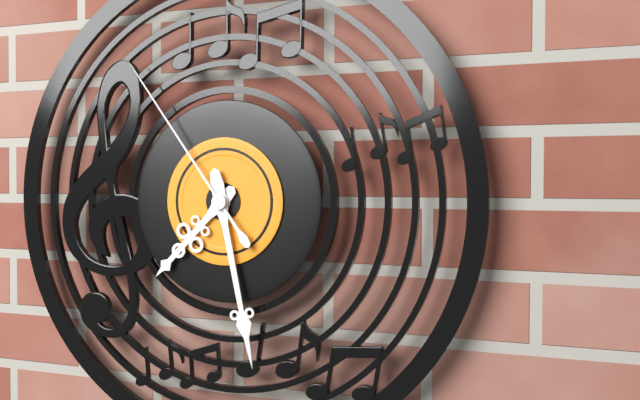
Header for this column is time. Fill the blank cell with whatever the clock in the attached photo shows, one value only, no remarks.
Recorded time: 7:28:54
